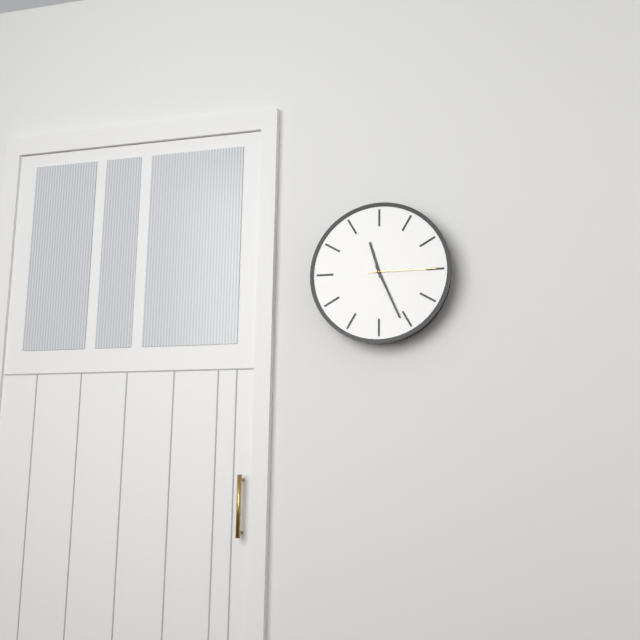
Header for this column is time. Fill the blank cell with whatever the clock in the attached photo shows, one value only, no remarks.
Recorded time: 11:26:15
